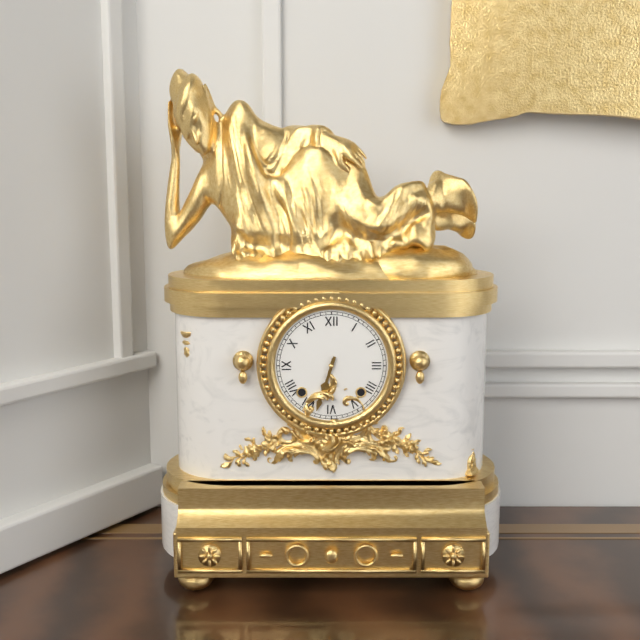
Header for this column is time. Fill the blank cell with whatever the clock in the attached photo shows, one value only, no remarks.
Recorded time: 6:33
